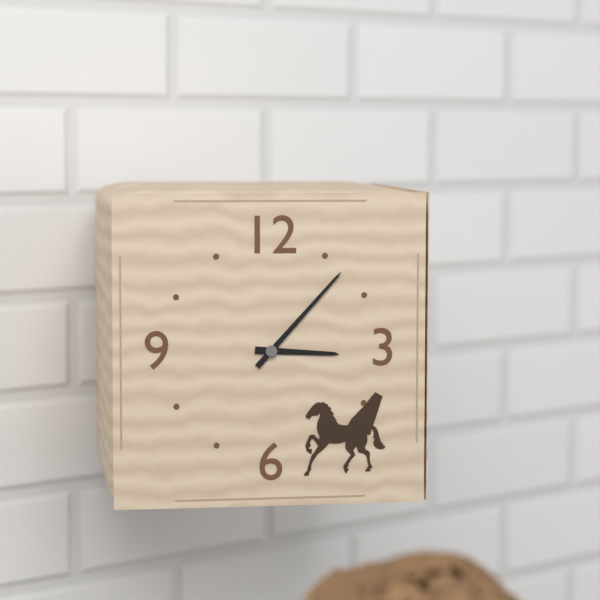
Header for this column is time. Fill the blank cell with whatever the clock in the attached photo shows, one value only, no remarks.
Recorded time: 3:07
